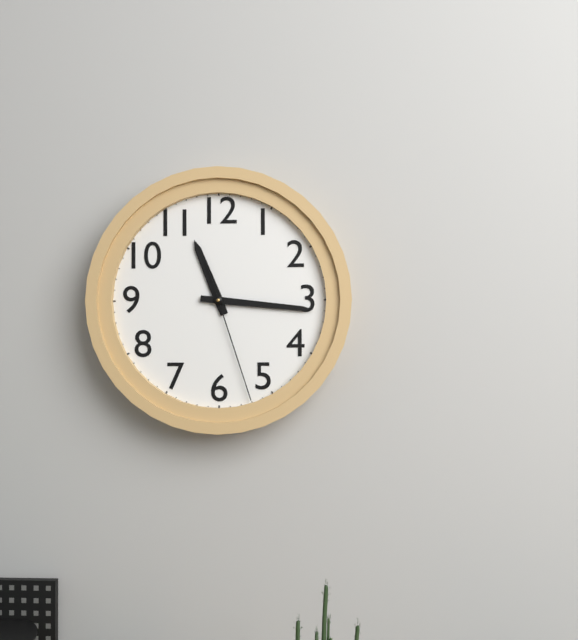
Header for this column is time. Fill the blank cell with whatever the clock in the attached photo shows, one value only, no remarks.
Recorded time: 11:16:27
